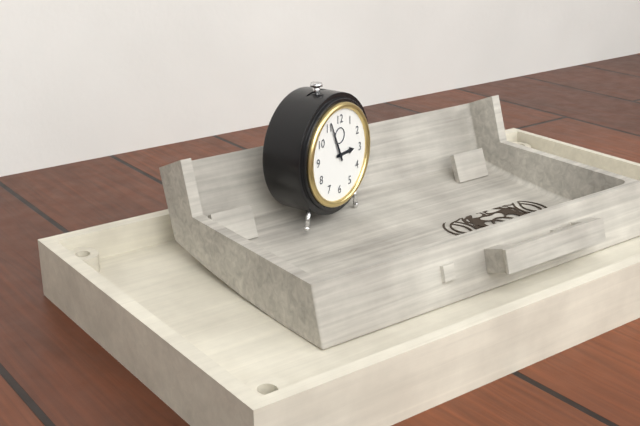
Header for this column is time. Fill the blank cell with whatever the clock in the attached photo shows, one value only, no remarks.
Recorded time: 2:56
